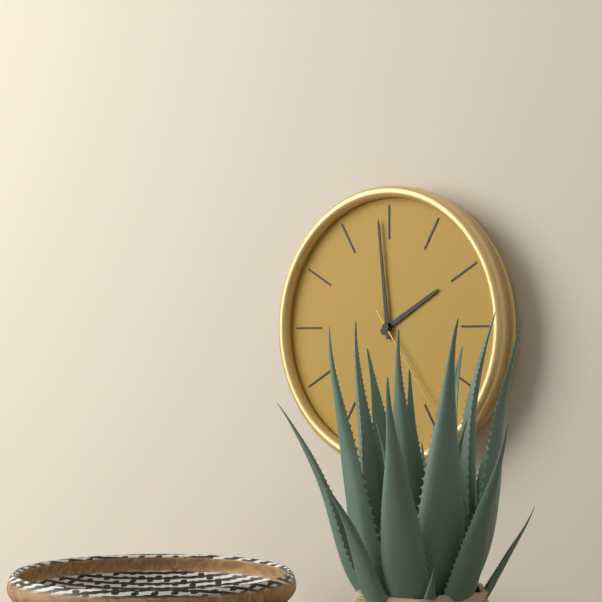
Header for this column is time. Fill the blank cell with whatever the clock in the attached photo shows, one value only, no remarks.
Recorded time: 1:59:24
